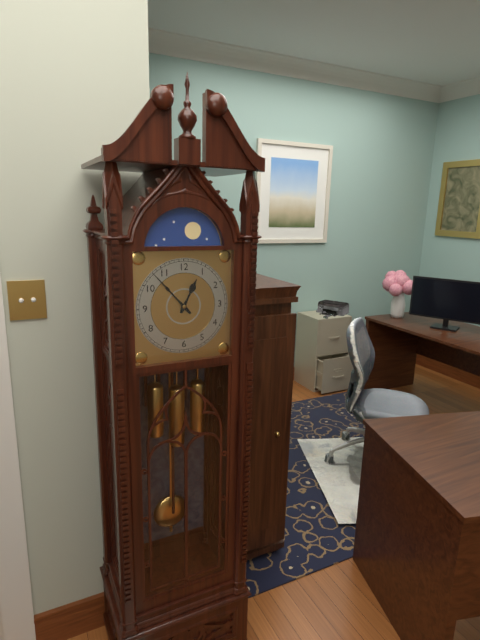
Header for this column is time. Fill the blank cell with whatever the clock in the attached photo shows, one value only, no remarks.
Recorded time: 12:53
